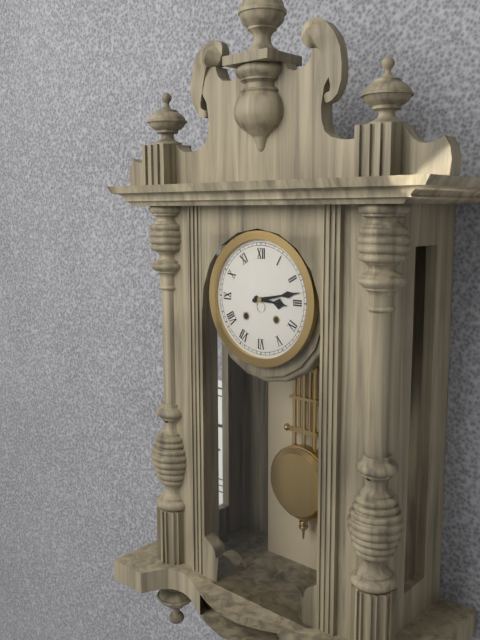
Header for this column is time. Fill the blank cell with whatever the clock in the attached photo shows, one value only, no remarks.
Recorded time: 3:13
